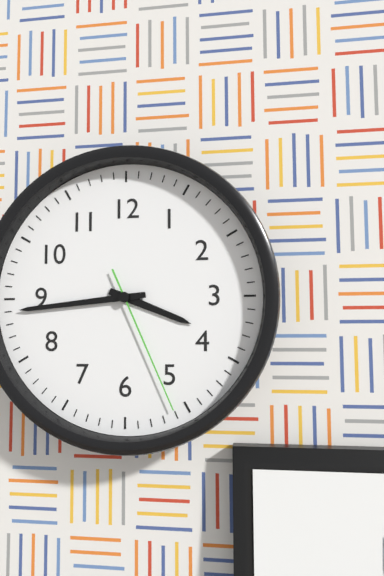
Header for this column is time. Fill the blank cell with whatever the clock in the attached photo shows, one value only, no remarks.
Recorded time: 3:44:26
